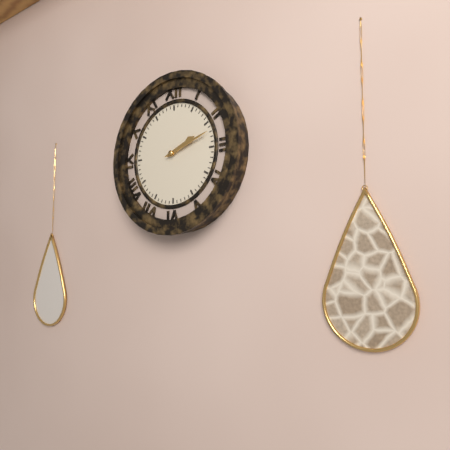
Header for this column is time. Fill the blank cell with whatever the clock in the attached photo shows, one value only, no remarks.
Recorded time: 2:12
